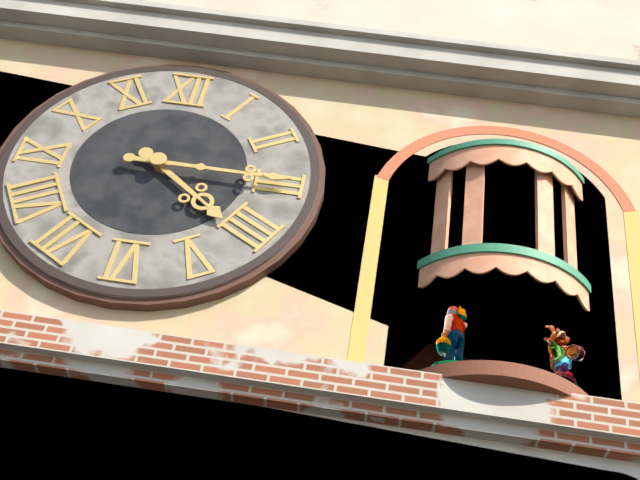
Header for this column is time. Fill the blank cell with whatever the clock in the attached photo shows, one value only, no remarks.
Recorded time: 4:15
